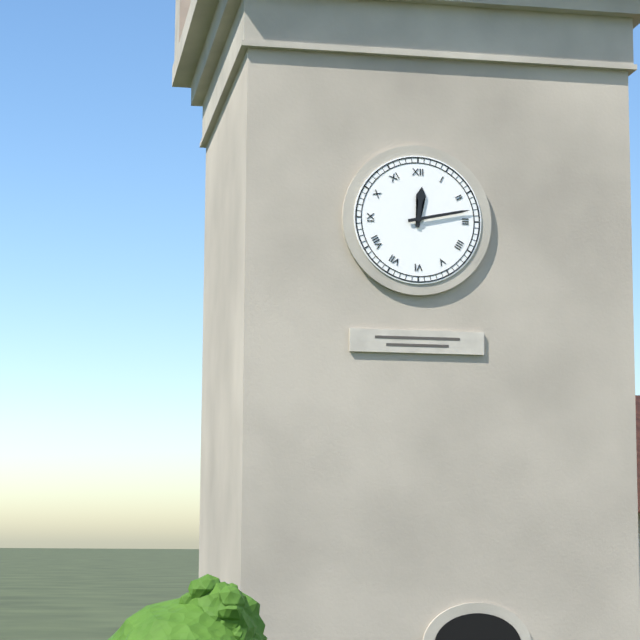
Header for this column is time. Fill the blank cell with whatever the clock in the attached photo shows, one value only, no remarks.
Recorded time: 12:13
